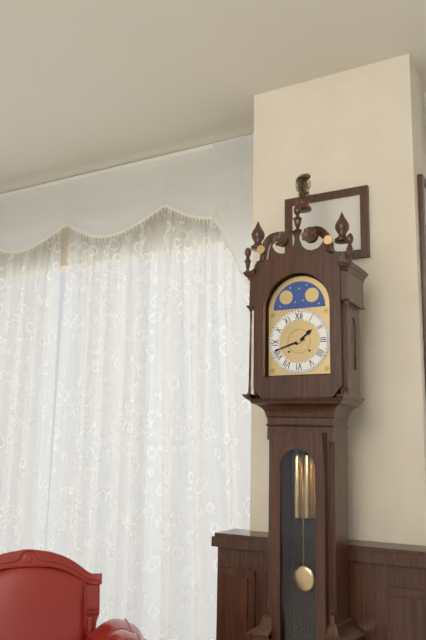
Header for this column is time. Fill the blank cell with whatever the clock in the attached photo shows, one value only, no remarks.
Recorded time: 1:42
